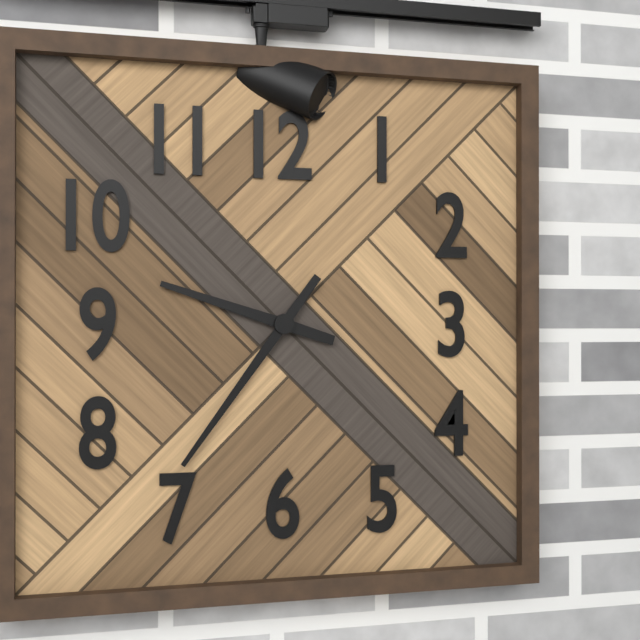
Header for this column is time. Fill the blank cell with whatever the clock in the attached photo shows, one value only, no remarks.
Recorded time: 9:36
